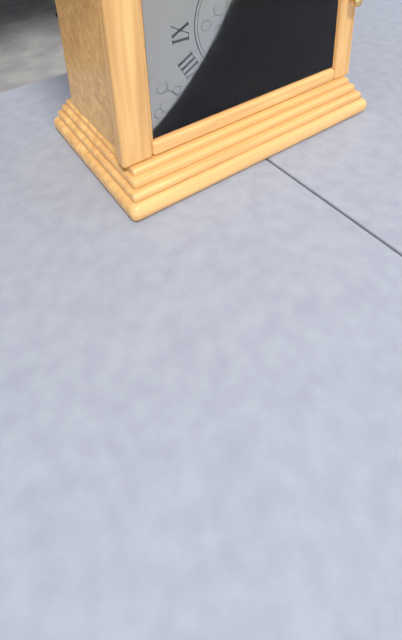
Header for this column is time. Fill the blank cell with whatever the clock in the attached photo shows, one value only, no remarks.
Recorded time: 7:21
